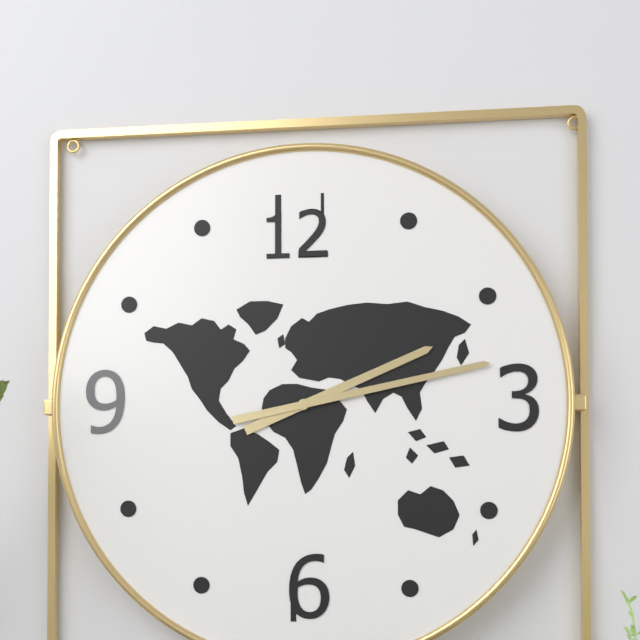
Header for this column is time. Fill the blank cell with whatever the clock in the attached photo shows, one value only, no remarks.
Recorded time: 2:13
